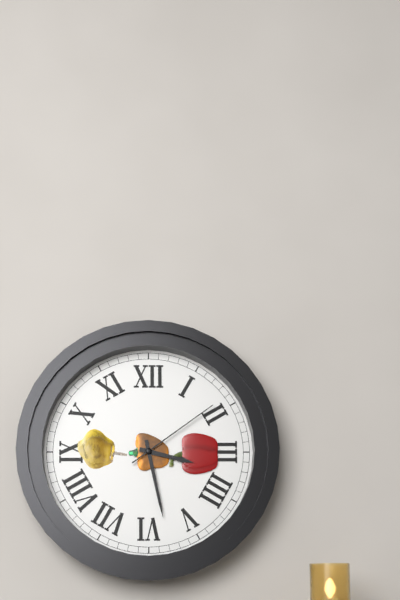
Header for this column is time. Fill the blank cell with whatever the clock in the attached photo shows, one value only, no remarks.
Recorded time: 3:28:09
